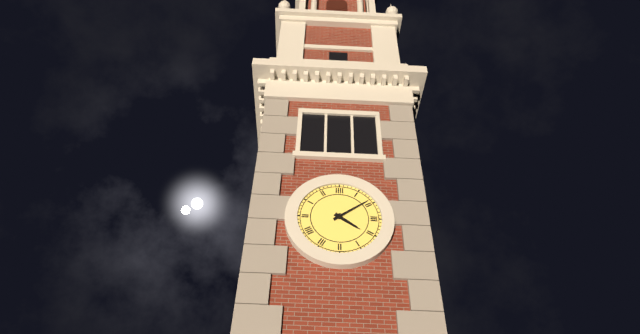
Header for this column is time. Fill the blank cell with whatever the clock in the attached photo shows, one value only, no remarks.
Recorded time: 4:09
